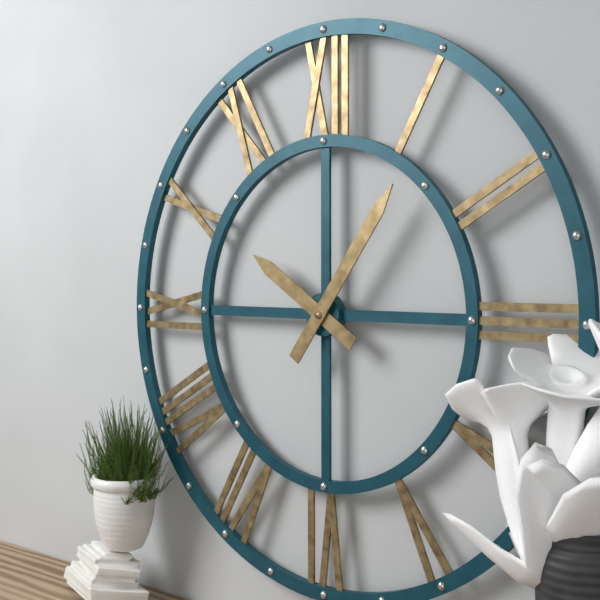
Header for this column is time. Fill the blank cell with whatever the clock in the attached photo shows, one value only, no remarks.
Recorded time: 10:06
